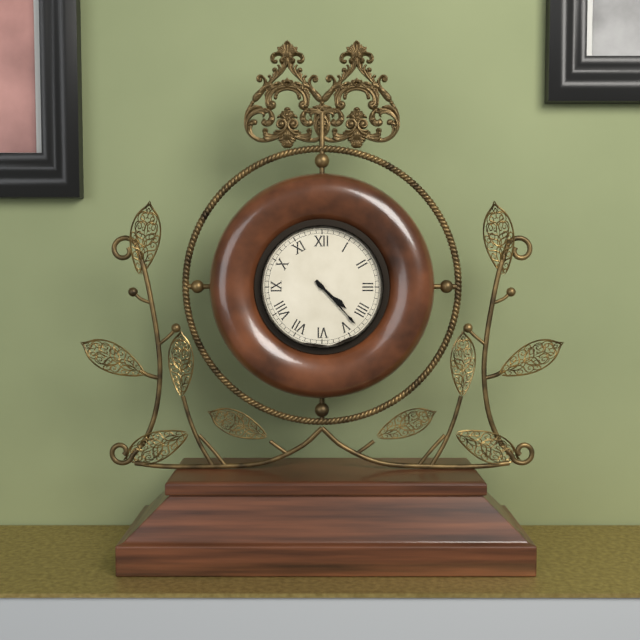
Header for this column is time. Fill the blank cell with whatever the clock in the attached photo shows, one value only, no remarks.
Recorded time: 4:23
